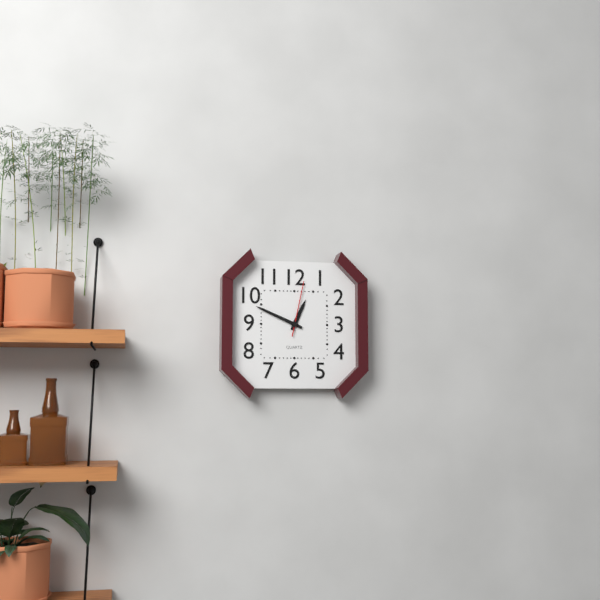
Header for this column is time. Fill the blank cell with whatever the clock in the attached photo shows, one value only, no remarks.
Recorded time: 12:49:02
